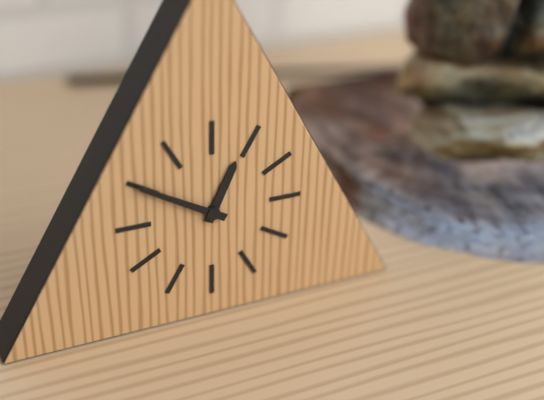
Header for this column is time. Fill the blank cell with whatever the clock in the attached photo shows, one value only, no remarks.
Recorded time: 12:50
